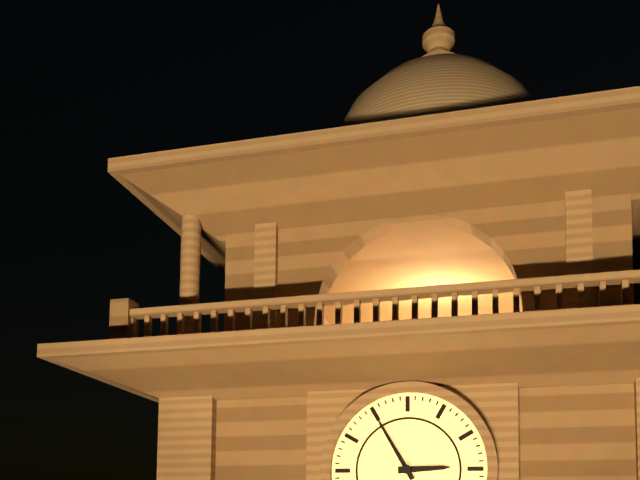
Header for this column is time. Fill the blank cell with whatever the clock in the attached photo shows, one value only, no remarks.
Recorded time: 2:55
